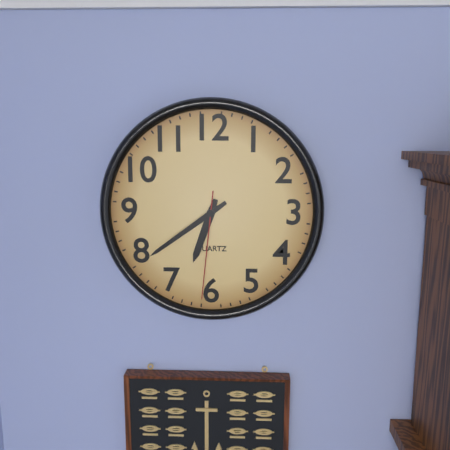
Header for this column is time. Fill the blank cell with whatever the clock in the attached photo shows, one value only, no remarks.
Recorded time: 6:39:31
